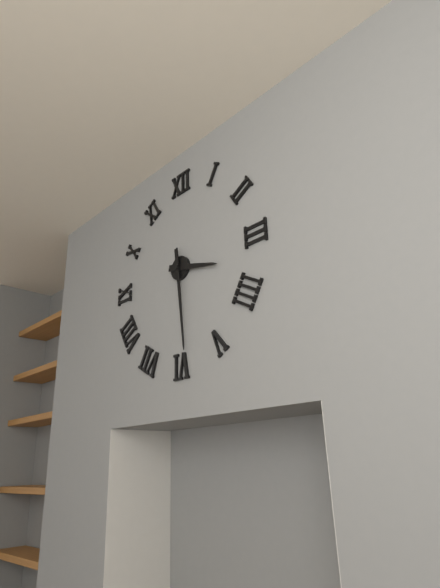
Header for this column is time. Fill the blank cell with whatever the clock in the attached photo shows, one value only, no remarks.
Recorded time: 3:29
